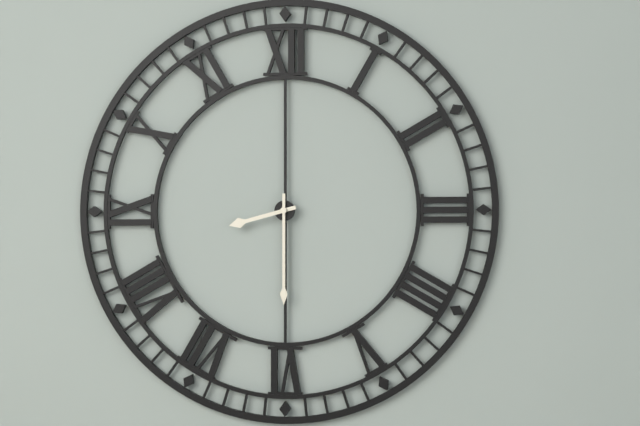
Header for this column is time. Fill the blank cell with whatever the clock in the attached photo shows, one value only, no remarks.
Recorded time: 8:30
